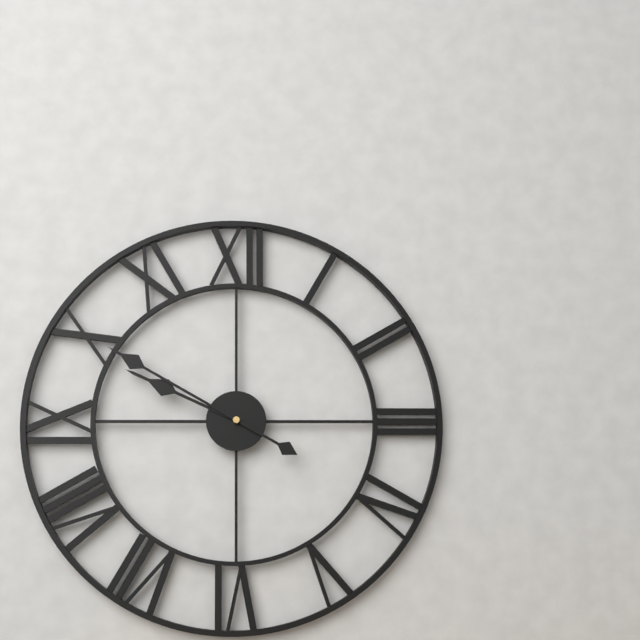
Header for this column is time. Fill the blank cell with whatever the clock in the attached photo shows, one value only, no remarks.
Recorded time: 9:50
